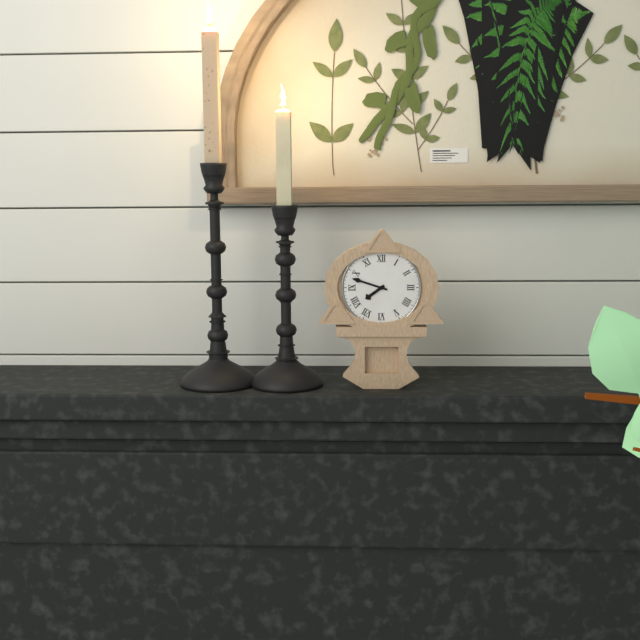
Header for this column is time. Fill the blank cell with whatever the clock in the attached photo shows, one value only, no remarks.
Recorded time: 7:48
